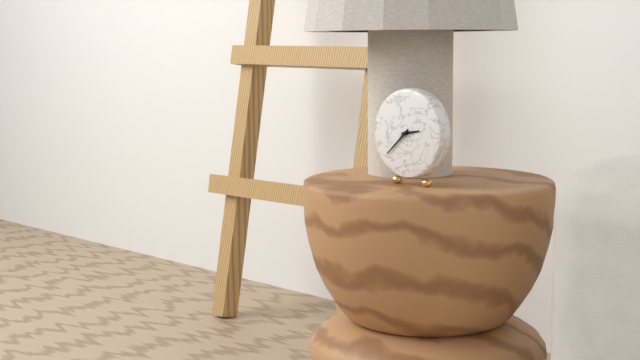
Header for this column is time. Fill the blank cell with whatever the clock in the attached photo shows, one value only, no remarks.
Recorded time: 2:38
